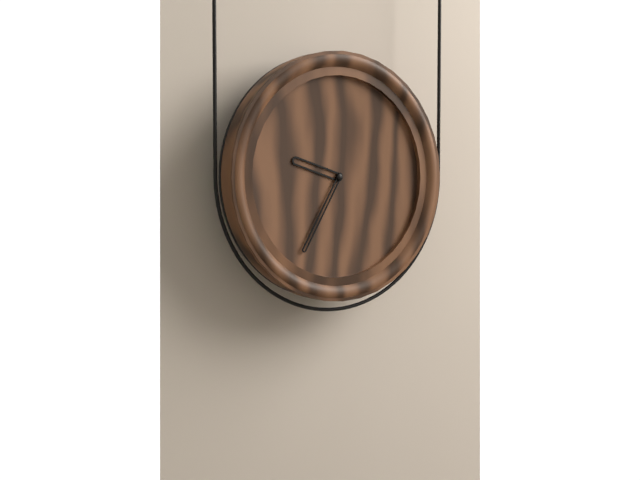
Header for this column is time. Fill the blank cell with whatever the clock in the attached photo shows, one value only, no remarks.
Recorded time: 9:35
